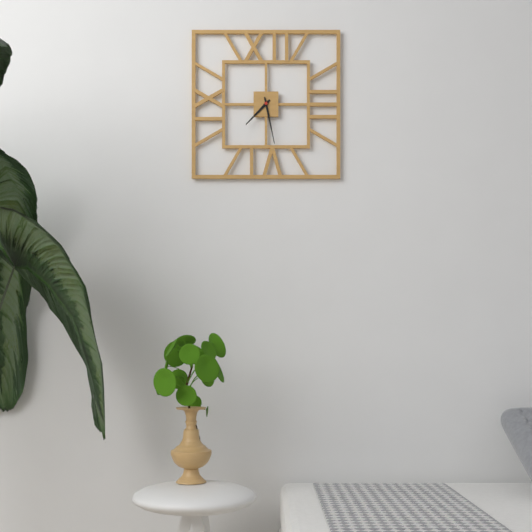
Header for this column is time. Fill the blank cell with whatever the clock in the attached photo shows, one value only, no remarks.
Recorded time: 7:28
